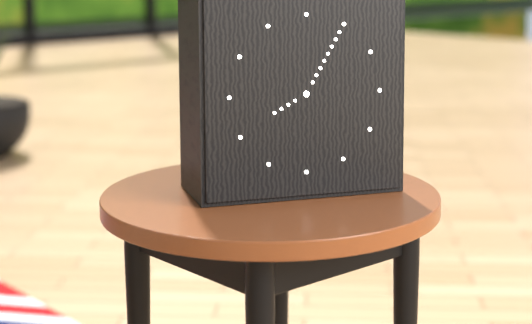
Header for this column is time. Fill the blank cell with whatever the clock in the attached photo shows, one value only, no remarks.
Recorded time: 8:05
